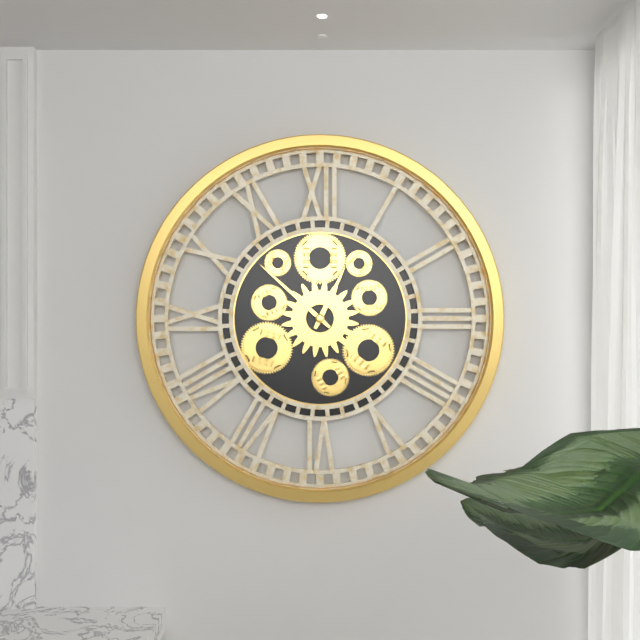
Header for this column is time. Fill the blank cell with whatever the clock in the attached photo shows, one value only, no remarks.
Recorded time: 12:52
